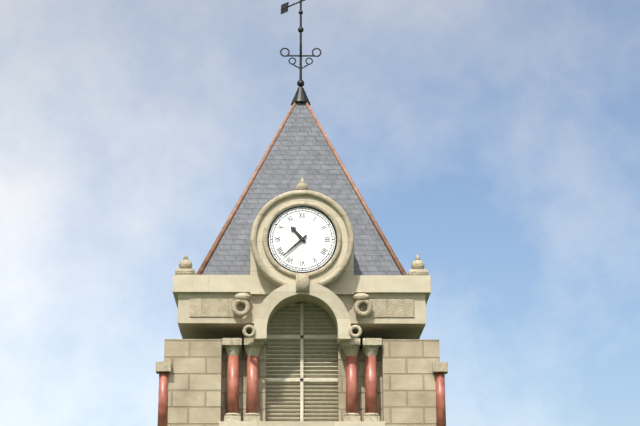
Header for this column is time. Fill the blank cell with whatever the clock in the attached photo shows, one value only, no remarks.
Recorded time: 10:38
